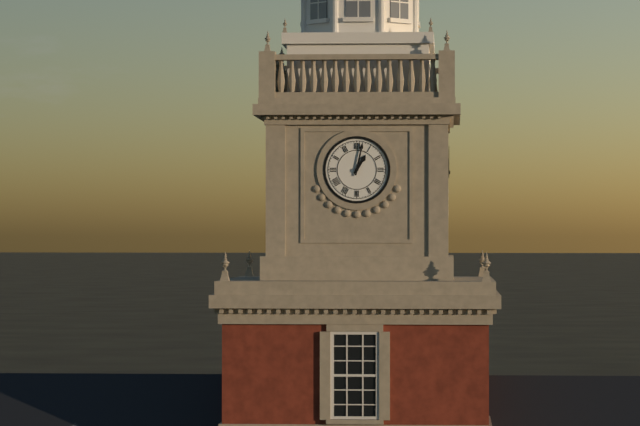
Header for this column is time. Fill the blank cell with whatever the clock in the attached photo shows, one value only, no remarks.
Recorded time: 1:02
